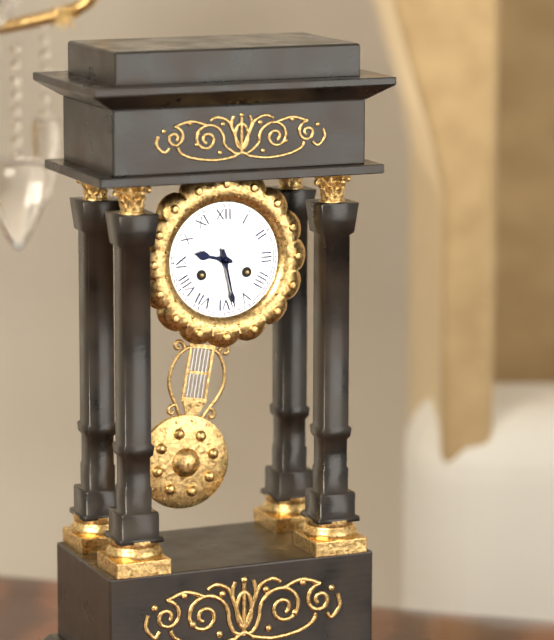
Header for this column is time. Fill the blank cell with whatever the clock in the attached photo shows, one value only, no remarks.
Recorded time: 9:28
